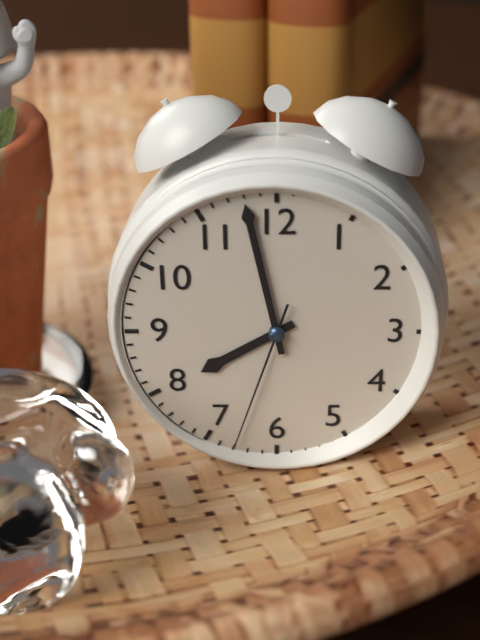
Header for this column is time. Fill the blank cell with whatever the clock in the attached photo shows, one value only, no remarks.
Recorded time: 7:58:33
